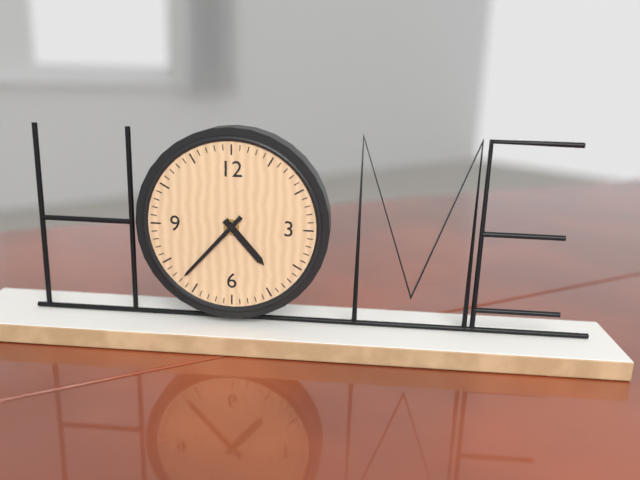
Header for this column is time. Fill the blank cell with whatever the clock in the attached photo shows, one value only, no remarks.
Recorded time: 4:37
